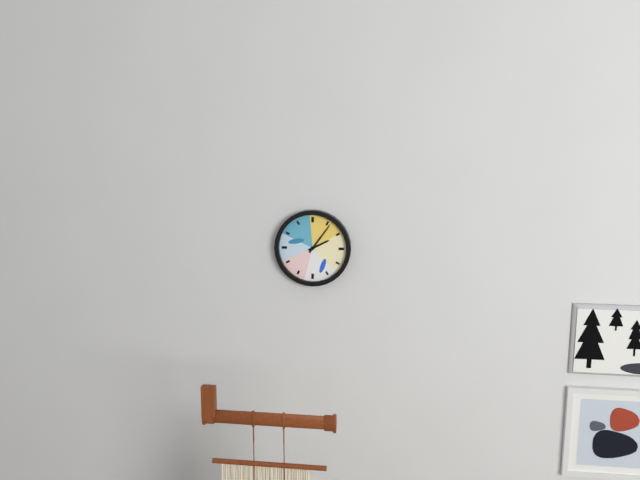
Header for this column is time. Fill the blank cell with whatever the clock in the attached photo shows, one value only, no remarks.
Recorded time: 2:06
